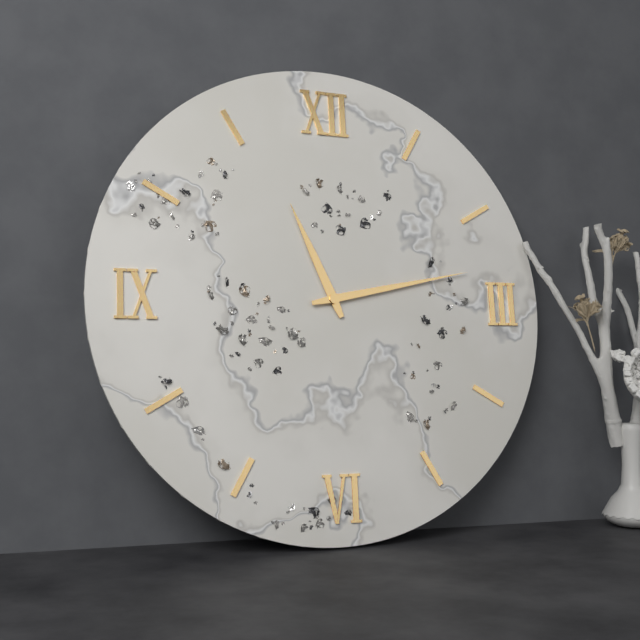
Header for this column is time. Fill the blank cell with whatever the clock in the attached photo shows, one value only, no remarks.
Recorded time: 11:13
